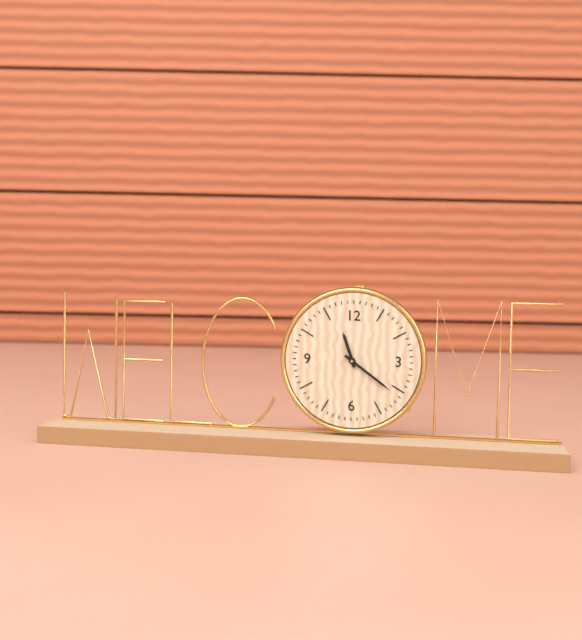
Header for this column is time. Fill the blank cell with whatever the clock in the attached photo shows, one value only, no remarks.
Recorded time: 11:21
